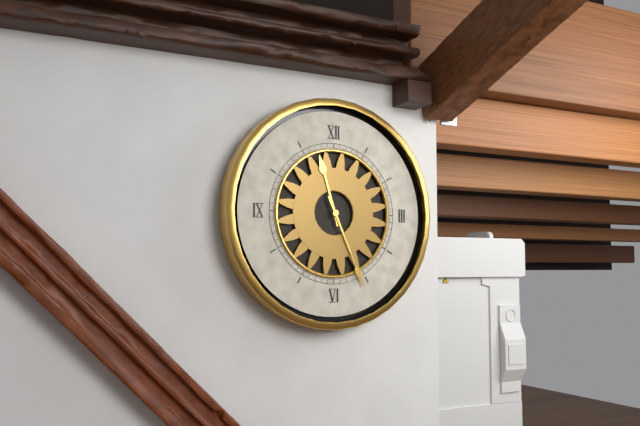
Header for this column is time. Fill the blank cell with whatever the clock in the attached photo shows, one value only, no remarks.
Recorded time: 11:26
